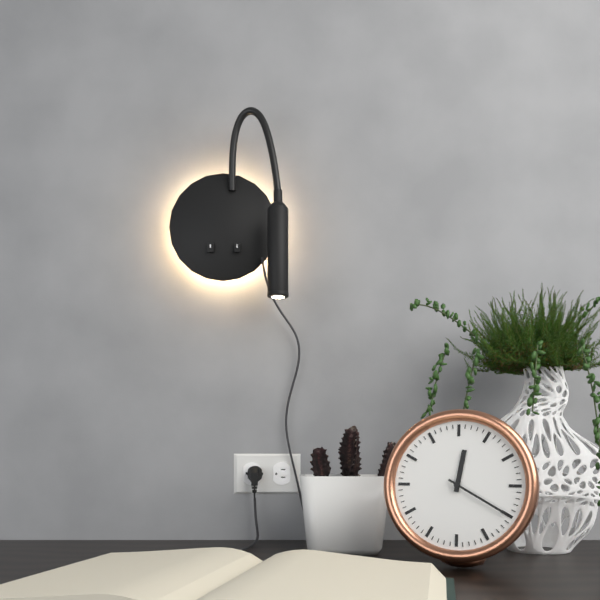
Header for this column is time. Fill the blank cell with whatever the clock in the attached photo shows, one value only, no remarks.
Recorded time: 12:20
